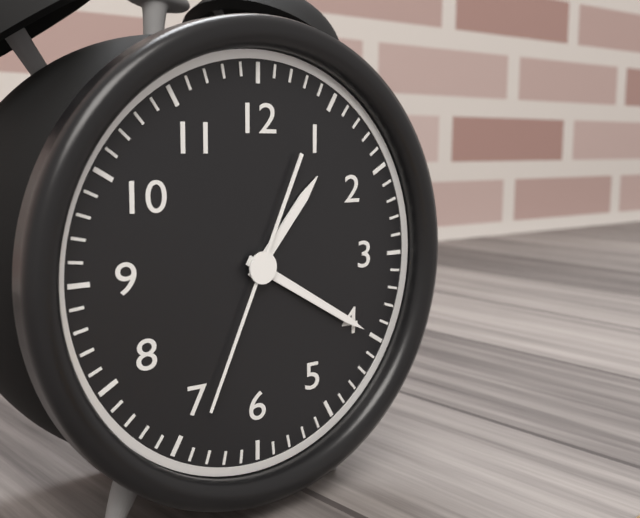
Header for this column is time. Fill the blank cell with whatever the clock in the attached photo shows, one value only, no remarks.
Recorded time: 1:20:34
